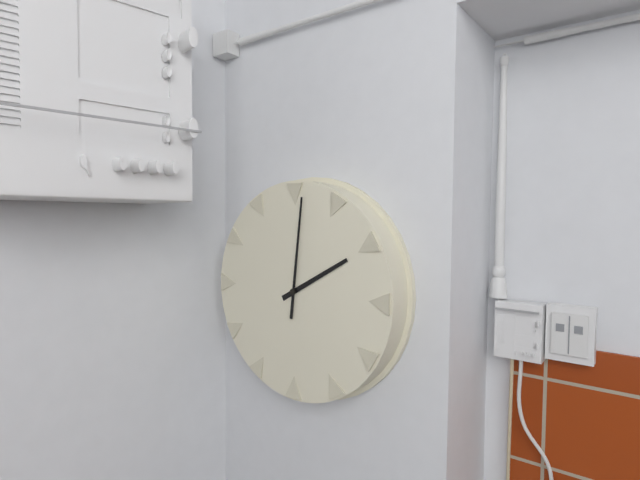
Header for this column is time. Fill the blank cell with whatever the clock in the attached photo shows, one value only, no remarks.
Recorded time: 2:01
